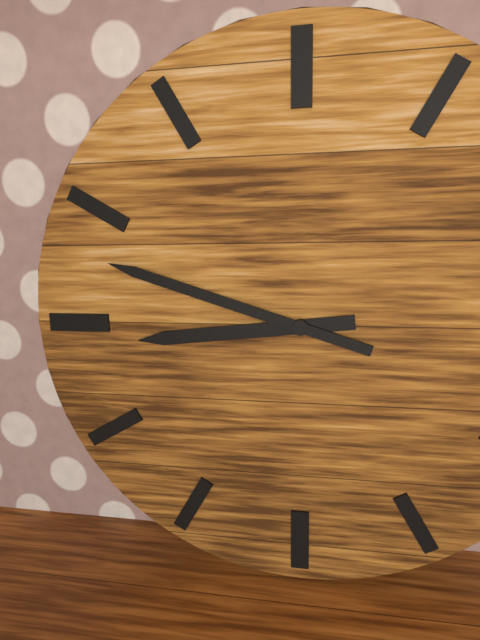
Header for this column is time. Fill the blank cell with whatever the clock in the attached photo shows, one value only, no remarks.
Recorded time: 8:48
